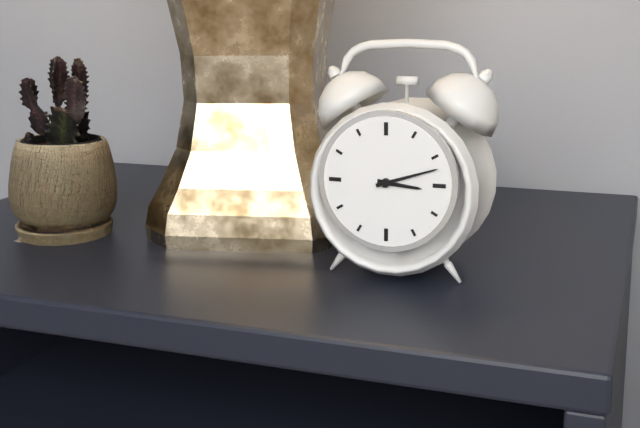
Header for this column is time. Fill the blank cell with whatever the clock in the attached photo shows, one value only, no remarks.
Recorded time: 3:12
